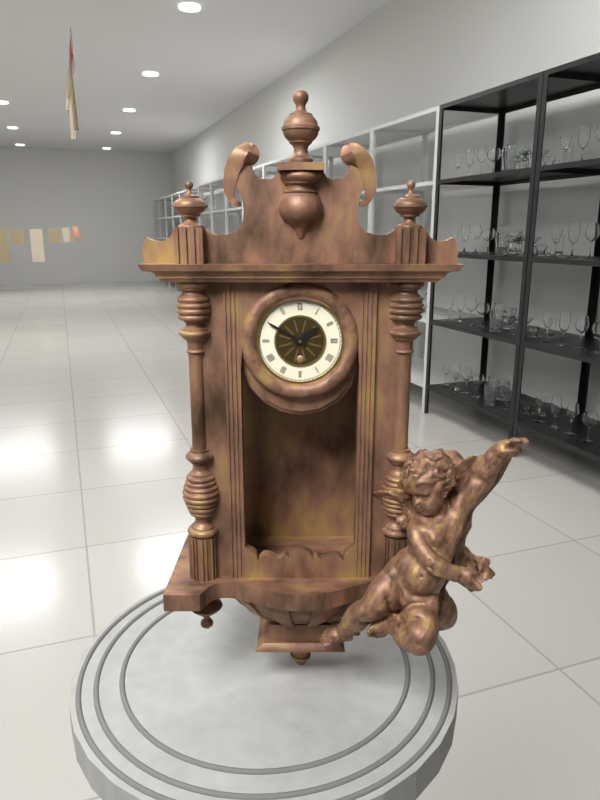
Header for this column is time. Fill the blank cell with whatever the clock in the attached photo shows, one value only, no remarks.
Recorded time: 1:50
